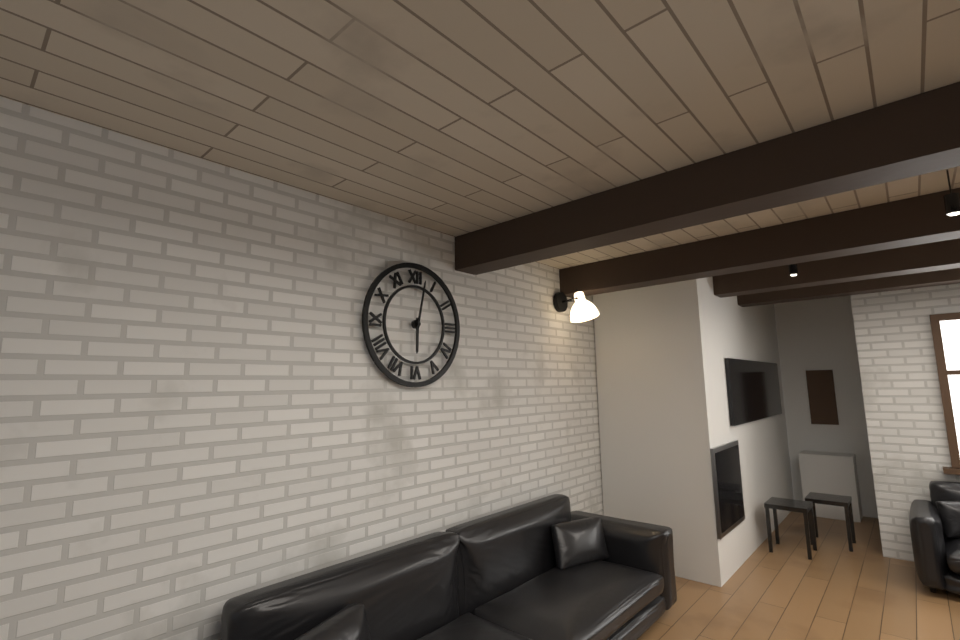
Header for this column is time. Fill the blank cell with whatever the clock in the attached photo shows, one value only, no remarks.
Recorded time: 6:02
